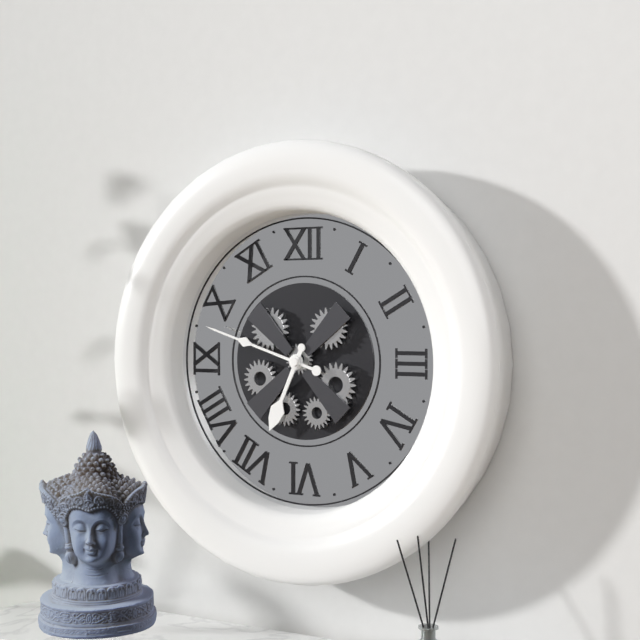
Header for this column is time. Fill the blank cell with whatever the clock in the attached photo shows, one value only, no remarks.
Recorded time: 6:48
